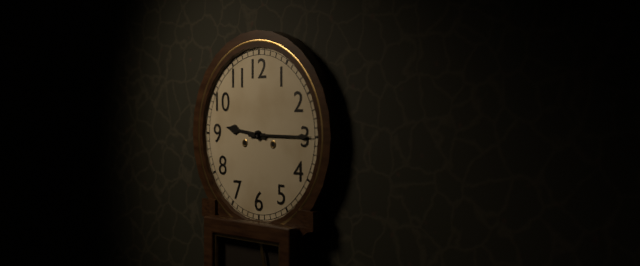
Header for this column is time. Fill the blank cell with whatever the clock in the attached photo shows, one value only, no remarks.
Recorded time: 9:15
